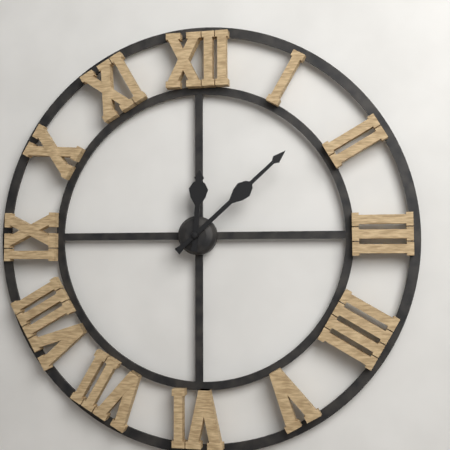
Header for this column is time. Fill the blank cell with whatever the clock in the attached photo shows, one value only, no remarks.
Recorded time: 12:08
